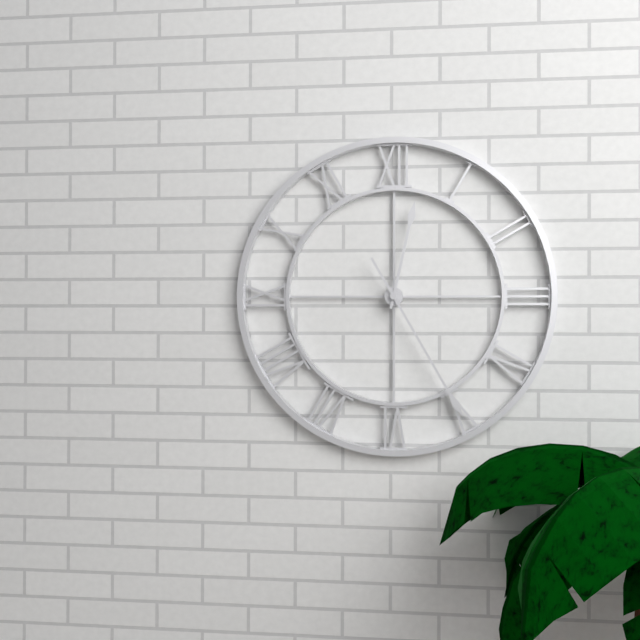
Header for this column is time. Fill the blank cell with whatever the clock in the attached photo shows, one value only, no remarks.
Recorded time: 12:25
